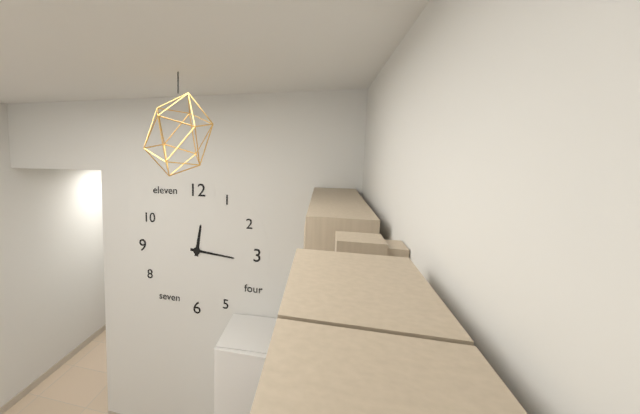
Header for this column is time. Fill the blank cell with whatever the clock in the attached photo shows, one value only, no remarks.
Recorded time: 12:16
